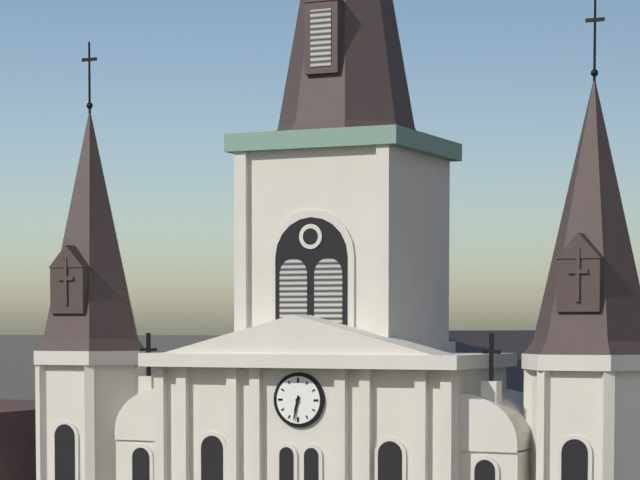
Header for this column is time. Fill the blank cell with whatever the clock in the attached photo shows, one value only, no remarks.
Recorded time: 6:32
